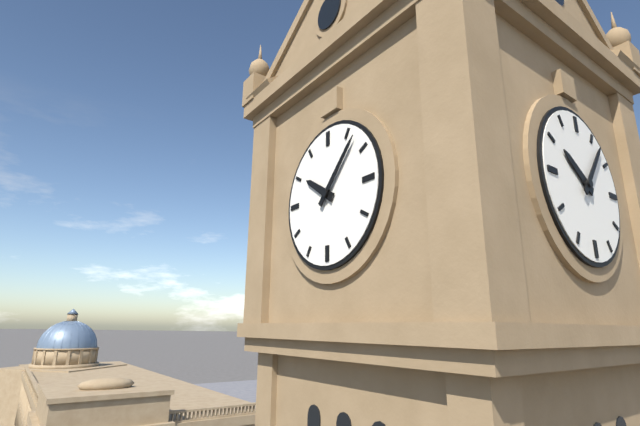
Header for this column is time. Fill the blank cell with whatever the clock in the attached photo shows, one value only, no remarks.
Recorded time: 10:07
